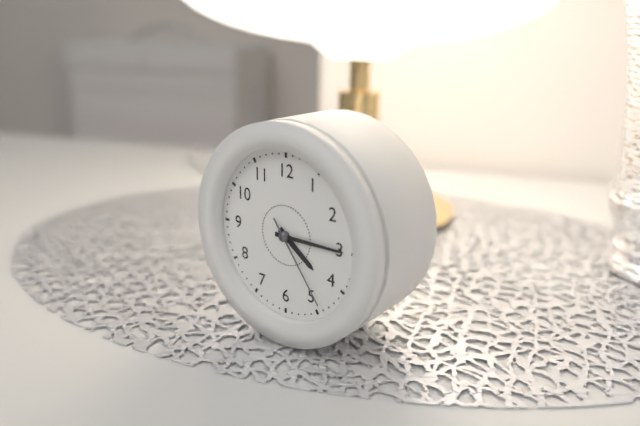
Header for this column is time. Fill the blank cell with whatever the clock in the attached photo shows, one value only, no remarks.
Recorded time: 4:15:24
